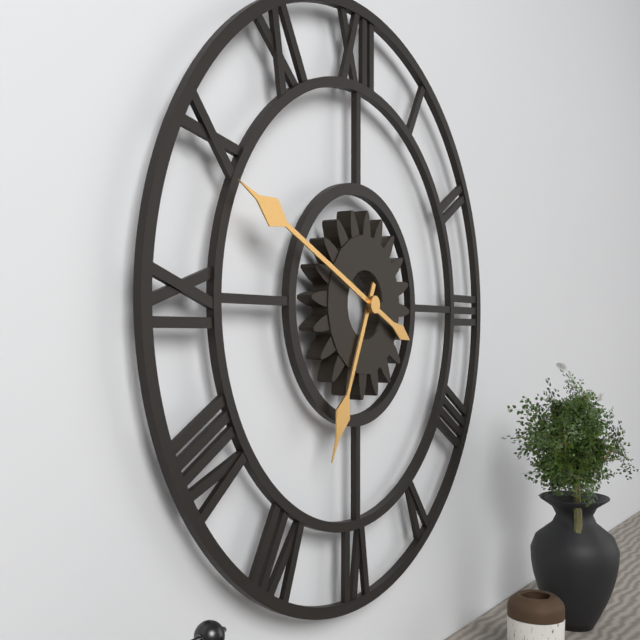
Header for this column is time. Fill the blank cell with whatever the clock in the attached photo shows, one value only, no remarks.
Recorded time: 6:49
